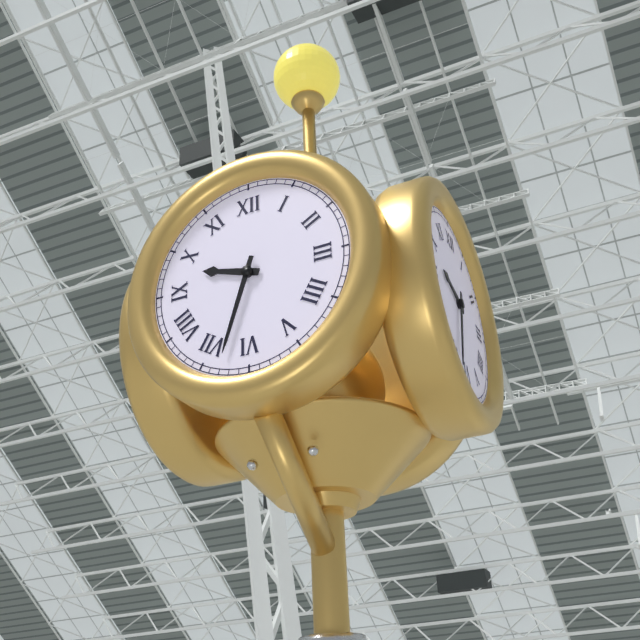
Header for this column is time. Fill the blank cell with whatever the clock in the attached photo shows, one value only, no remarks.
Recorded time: 9:33
